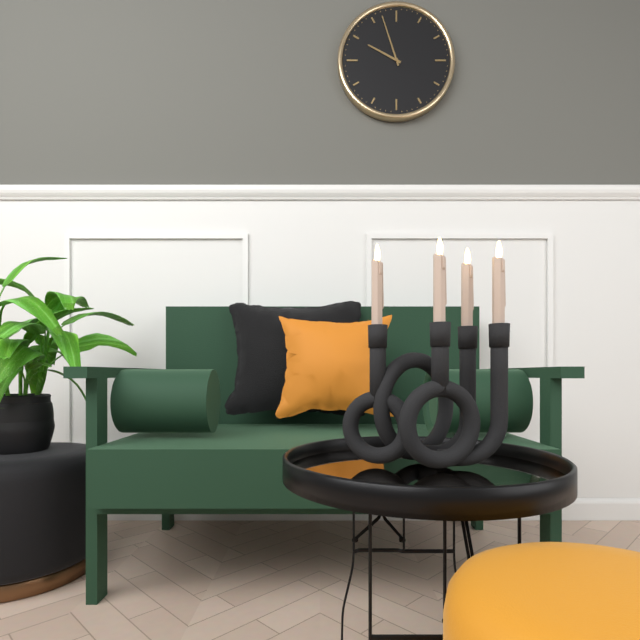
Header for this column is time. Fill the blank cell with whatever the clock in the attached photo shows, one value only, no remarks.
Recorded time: 9:57
